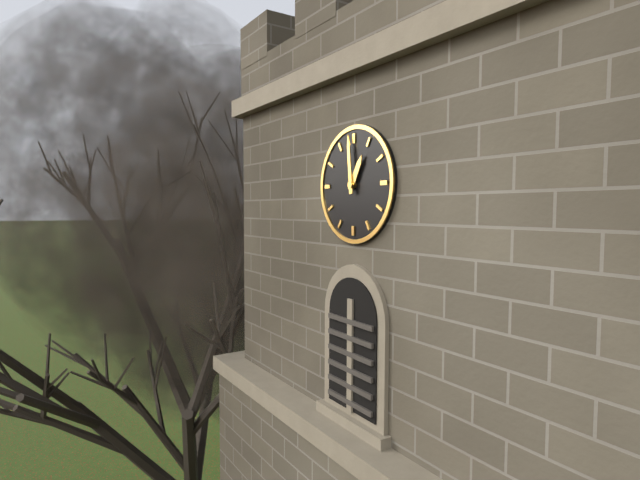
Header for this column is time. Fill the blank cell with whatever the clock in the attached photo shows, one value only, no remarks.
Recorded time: 12:59
